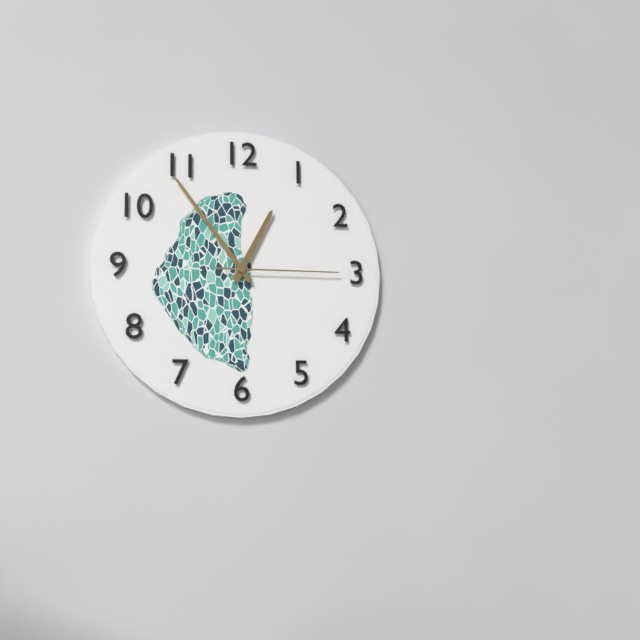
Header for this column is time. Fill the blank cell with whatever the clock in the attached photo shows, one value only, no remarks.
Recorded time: 12:54:15
